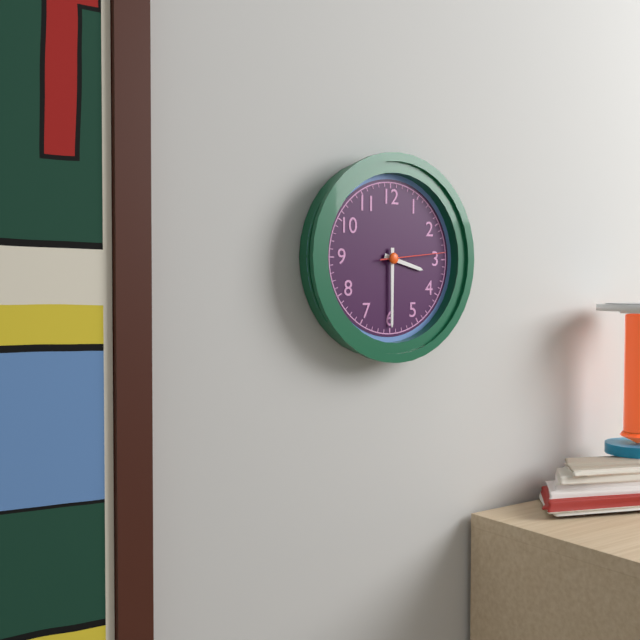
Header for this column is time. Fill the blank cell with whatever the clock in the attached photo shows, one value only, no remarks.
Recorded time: 3:30:14
